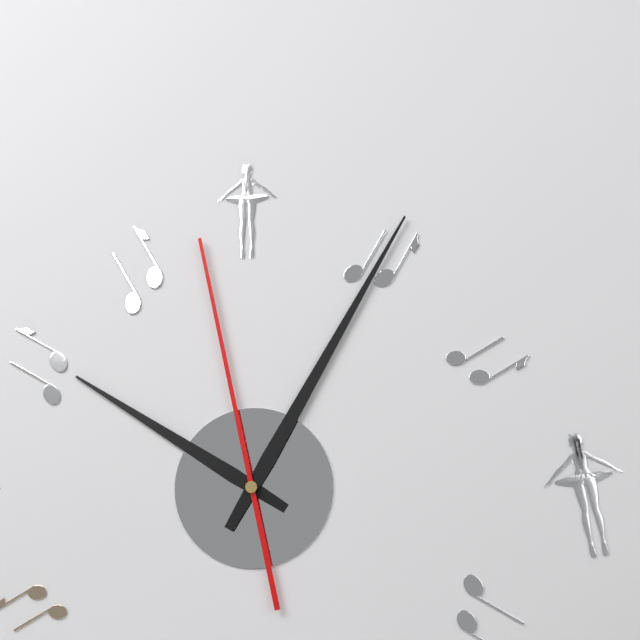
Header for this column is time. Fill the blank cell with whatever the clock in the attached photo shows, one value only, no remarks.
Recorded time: 10:05:58
